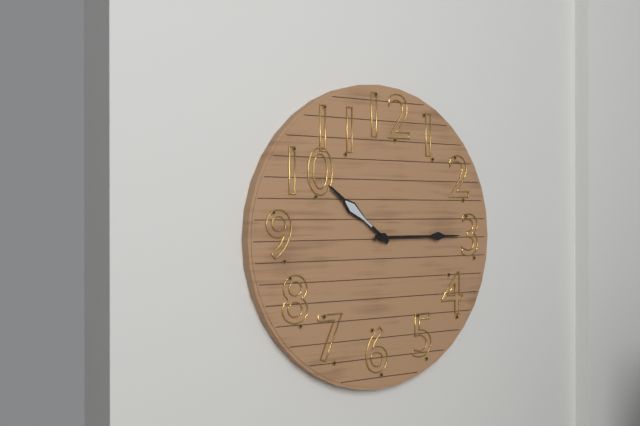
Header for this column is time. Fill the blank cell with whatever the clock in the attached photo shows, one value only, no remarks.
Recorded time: 10:15
